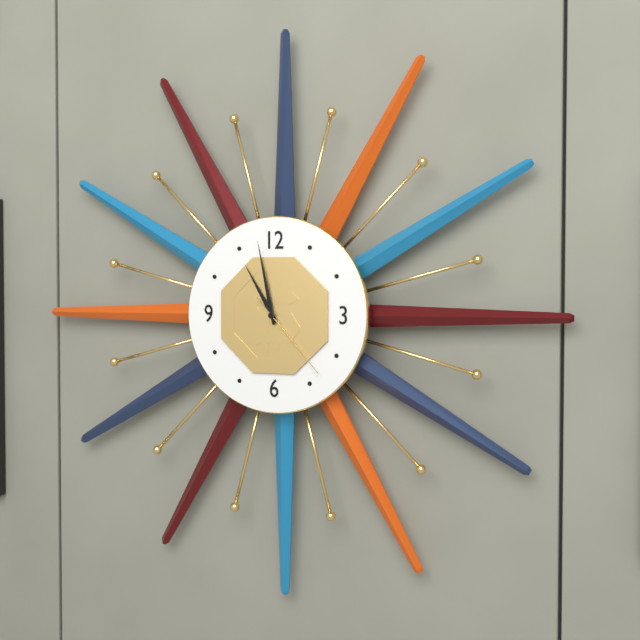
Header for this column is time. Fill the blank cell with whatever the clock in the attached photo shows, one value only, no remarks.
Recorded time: 10:58:23
